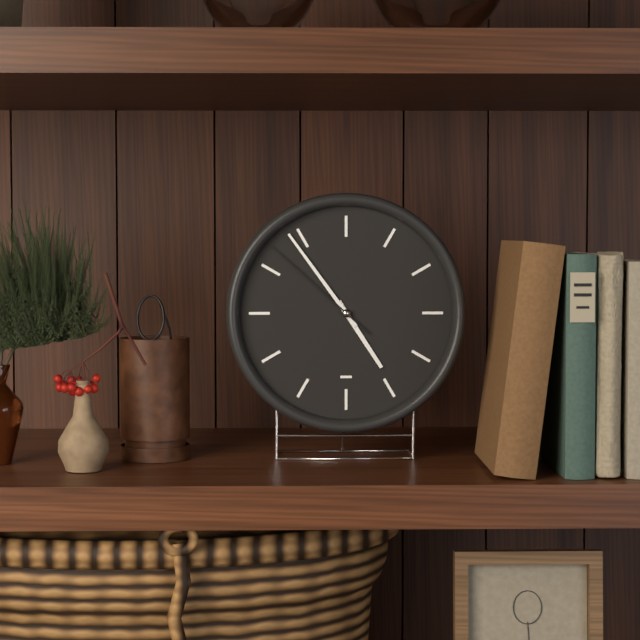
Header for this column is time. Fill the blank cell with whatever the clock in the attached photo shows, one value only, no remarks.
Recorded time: 4:54:52
